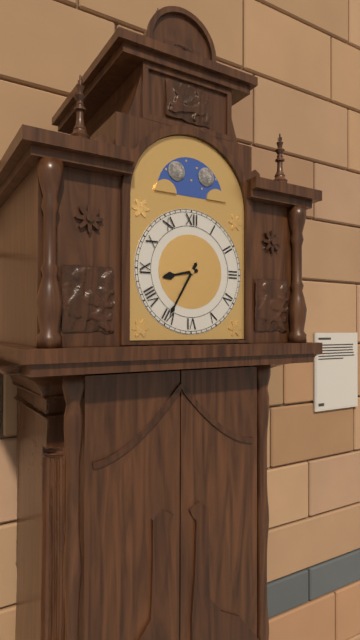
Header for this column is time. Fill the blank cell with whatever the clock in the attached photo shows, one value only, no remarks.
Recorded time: 8:35
